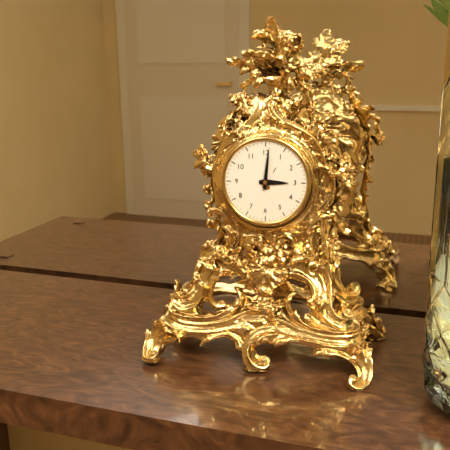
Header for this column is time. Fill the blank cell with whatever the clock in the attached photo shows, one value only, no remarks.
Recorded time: 3:01
